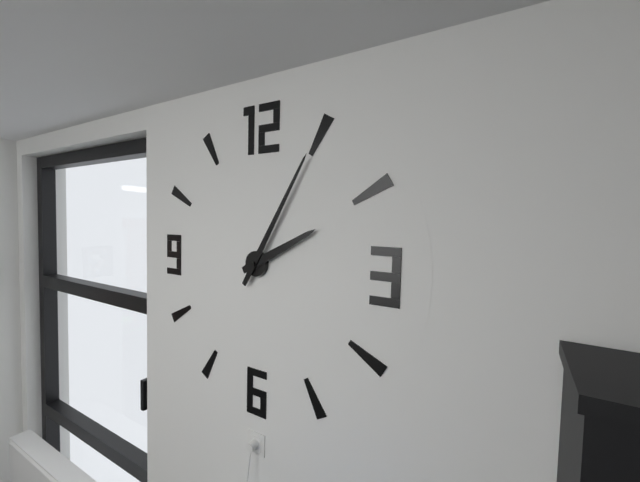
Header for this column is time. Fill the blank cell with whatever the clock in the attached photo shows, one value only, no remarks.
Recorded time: 2:05
